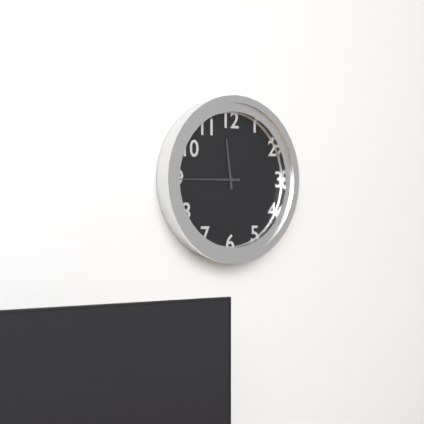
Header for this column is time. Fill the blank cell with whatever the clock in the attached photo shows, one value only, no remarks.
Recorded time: 11:45
